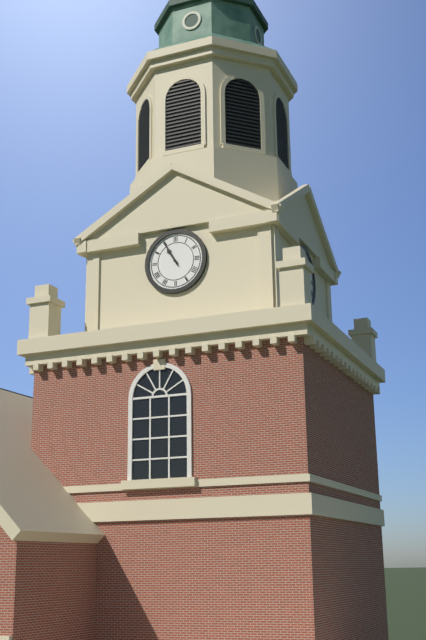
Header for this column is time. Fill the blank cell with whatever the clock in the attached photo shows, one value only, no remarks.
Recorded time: 10:55
